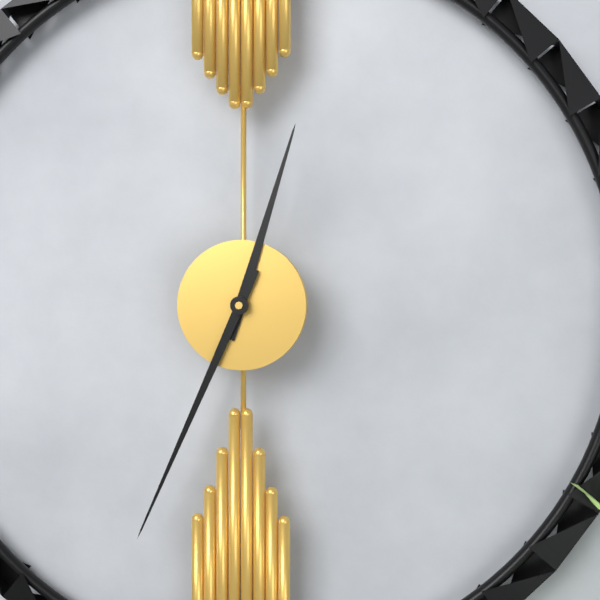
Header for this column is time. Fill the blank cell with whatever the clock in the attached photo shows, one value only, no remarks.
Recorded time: 12:34
